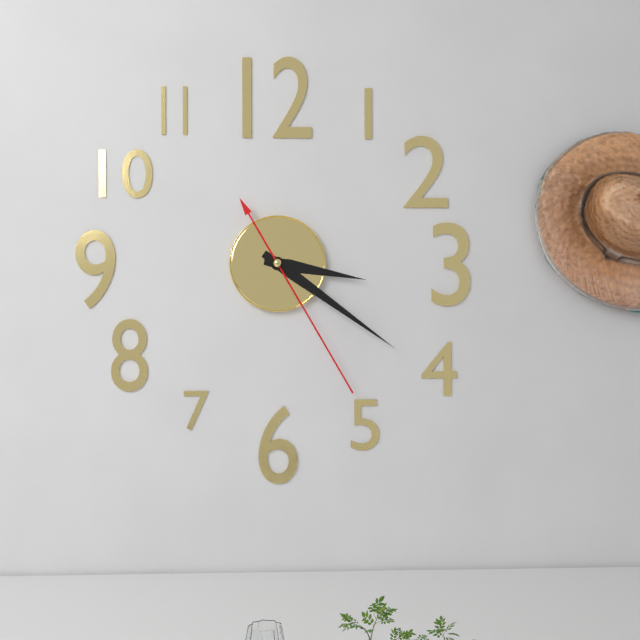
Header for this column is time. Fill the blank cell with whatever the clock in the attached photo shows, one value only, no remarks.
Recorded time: 3:21:25
